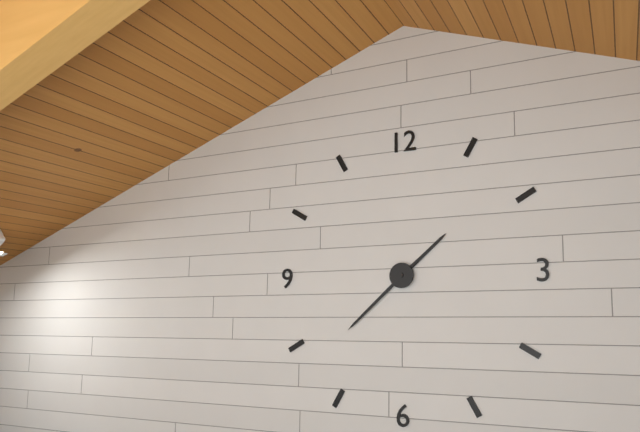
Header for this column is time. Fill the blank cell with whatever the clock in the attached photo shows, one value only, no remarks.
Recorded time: 1:38
